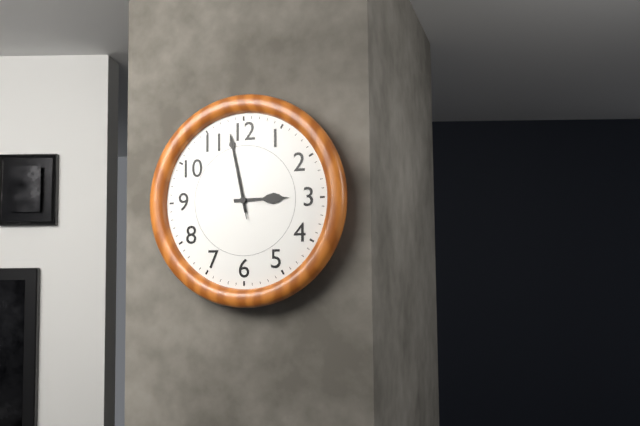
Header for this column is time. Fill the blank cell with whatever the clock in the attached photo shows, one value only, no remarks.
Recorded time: 2:58:58
